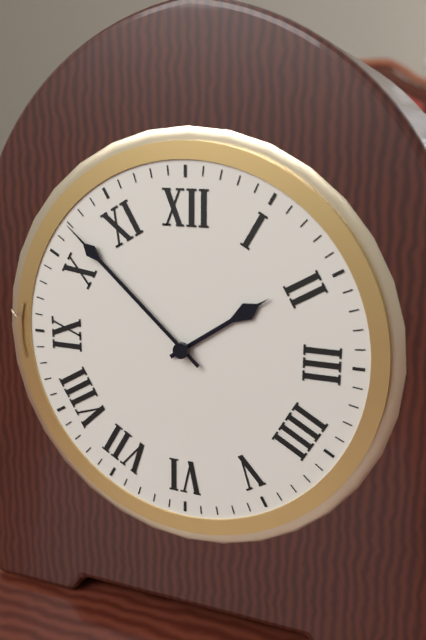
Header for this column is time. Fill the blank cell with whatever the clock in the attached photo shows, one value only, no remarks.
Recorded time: 1:52
